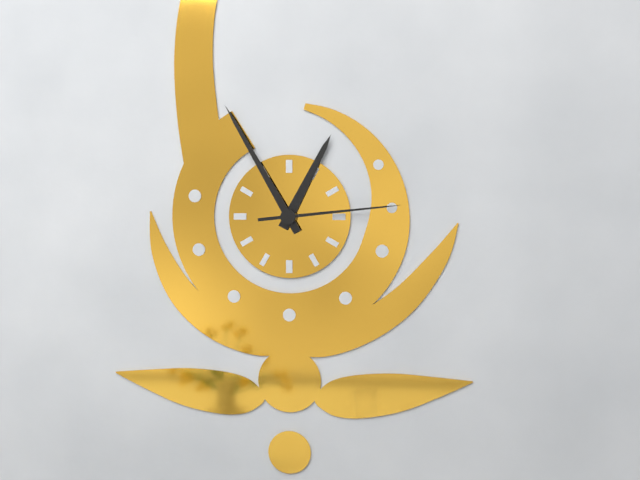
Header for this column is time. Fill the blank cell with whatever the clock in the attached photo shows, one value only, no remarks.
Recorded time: 12:55:14
